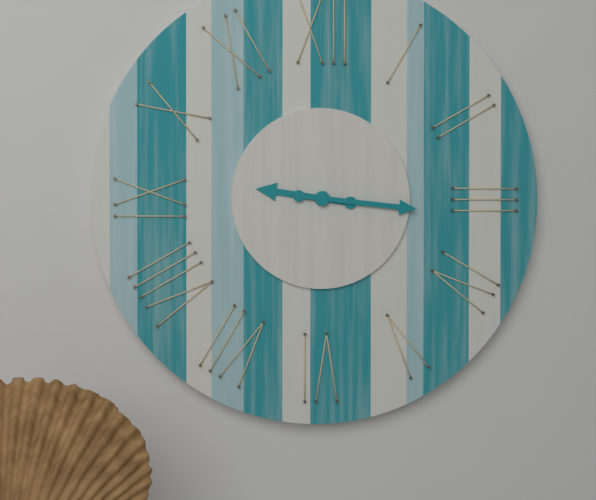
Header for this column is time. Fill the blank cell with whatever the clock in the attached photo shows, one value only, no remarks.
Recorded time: 9:16
